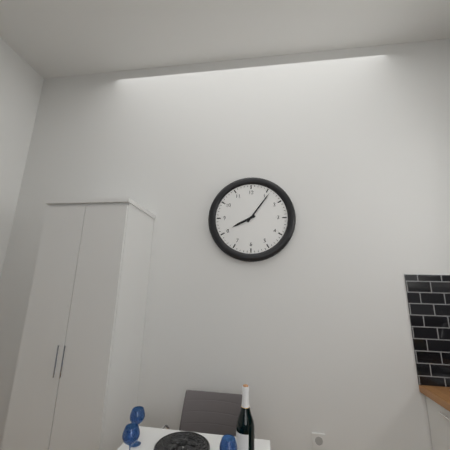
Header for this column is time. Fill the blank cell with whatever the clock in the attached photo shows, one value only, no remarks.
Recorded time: 8:06
